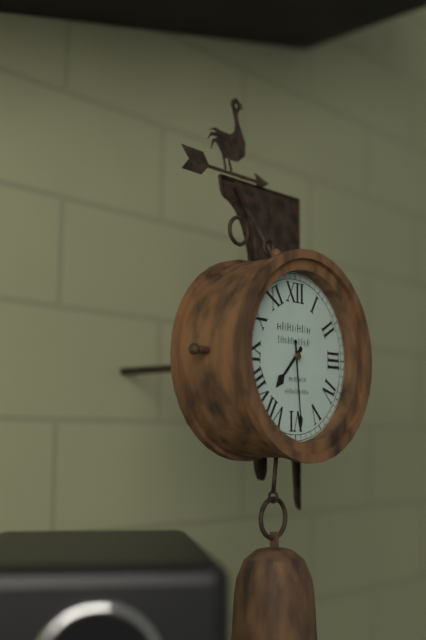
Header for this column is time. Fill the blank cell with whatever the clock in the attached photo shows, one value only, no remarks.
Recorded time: 7:29
